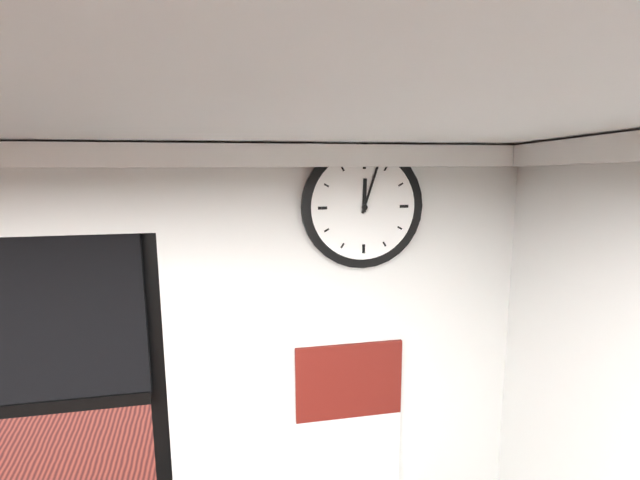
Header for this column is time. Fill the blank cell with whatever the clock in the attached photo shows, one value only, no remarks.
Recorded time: 12:03
